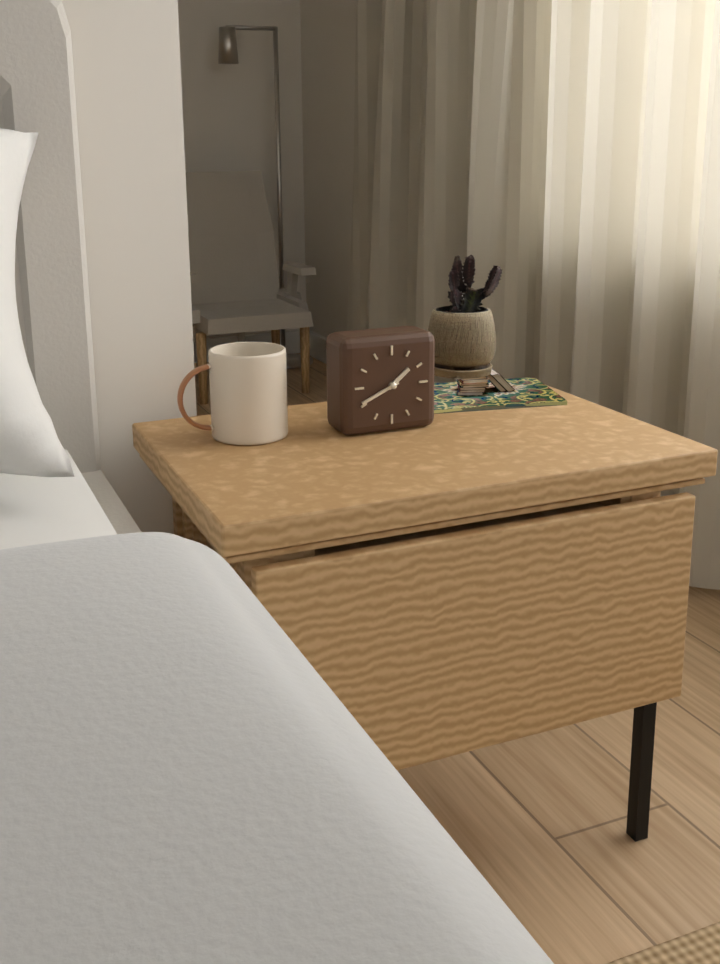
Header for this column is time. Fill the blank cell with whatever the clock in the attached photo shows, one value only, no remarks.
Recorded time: 1:41
